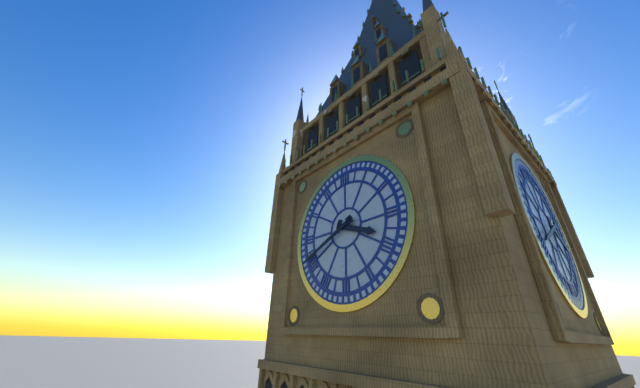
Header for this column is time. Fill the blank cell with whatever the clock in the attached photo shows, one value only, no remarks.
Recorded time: 3:41
